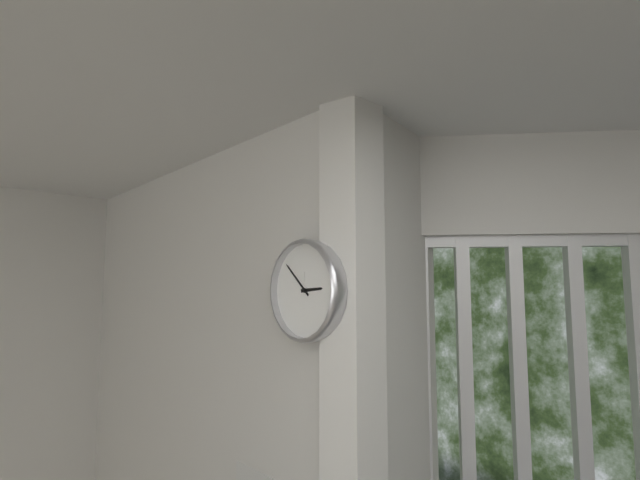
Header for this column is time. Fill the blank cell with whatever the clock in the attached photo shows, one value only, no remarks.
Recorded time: 2:52
